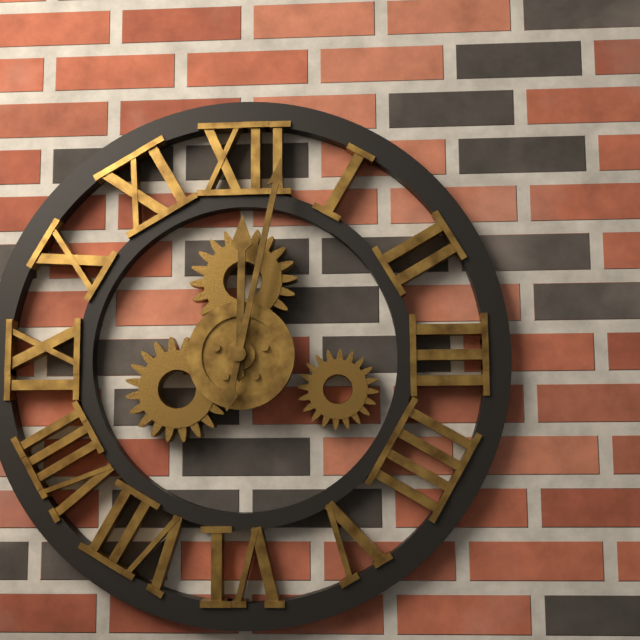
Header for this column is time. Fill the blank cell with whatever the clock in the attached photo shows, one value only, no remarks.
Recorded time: 12:02
